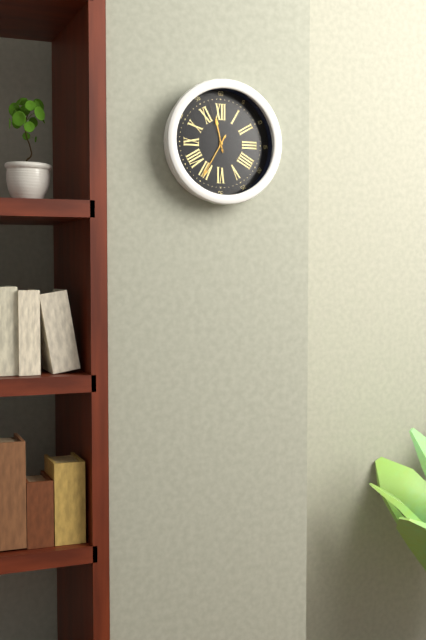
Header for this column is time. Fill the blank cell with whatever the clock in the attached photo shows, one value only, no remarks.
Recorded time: 11:35:57
